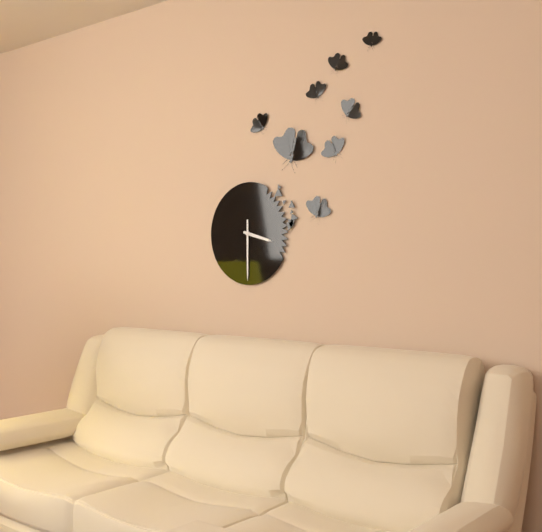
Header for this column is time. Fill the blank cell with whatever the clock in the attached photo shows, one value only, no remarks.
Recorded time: 3:30
